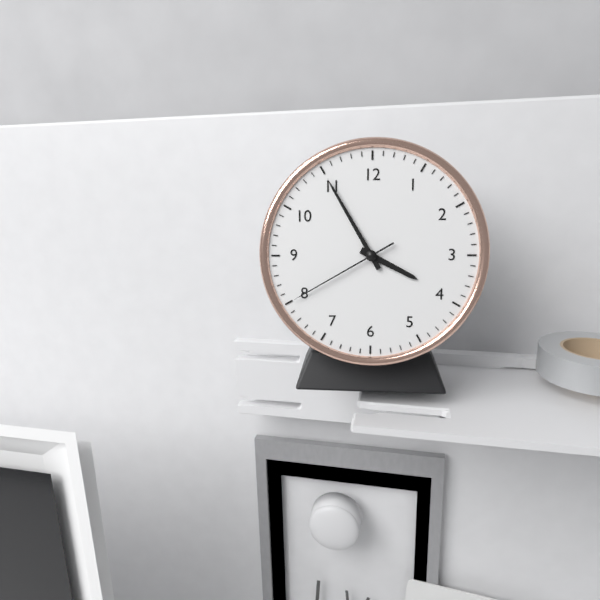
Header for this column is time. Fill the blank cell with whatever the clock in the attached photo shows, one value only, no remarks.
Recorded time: 3:55:40
